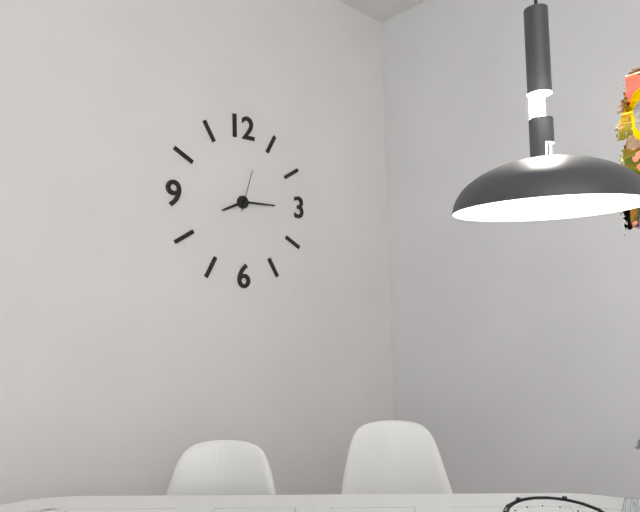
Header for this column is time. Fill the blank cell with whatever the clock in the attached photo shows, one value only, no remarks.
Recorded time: 8:15
